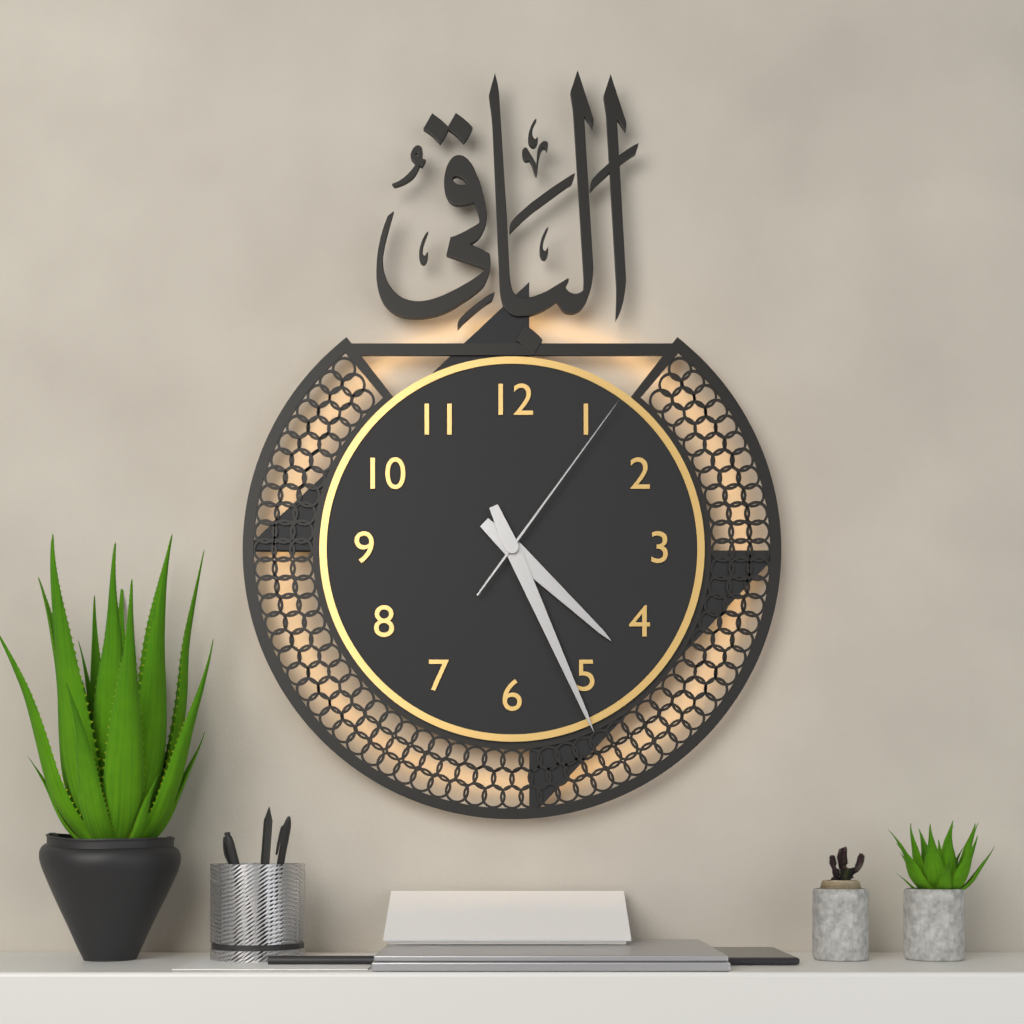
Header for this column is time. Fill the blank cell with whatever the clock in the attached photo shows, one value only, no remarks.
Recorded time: 4:26:06
